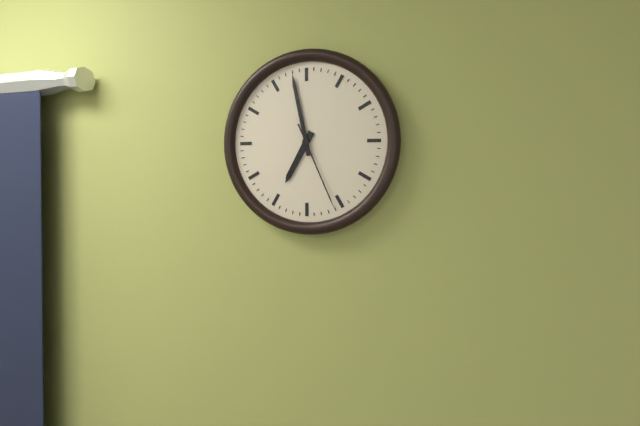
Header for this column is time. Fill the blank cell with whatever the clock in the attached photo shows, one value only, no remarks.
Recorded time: 6:58:26
